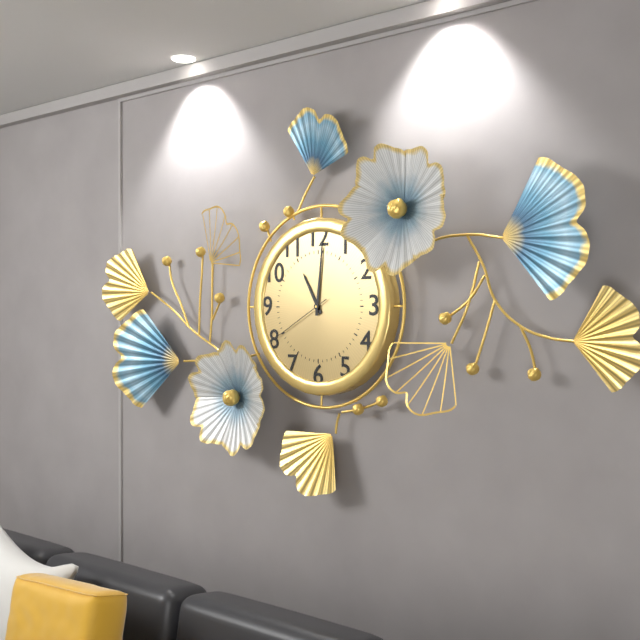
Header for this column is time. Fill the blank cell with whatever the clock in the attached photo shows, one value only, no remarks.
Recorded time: 11:01:40
